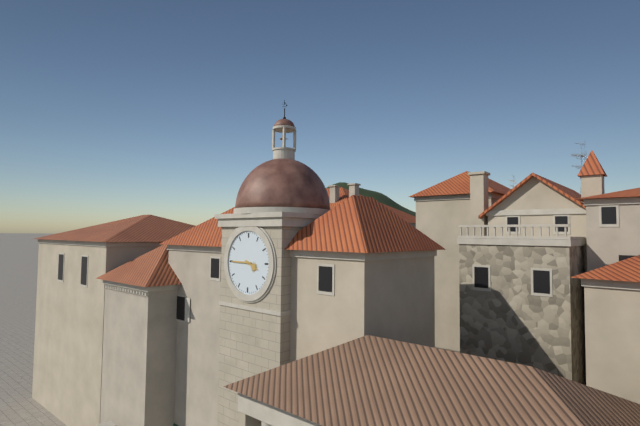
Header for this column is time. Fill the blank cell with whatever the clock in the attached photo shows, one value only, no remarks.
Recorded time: 3:45
